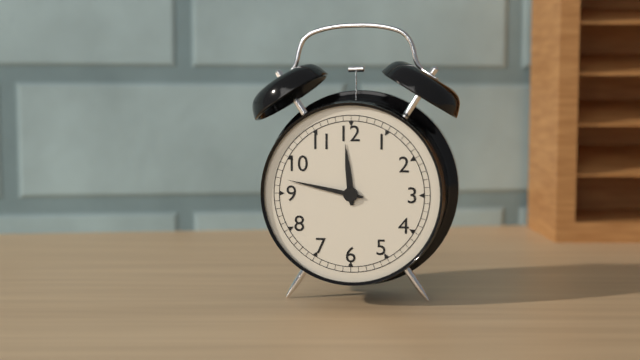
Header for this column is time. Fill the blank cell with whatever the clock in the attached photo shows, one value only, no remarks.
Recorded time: 11:47
